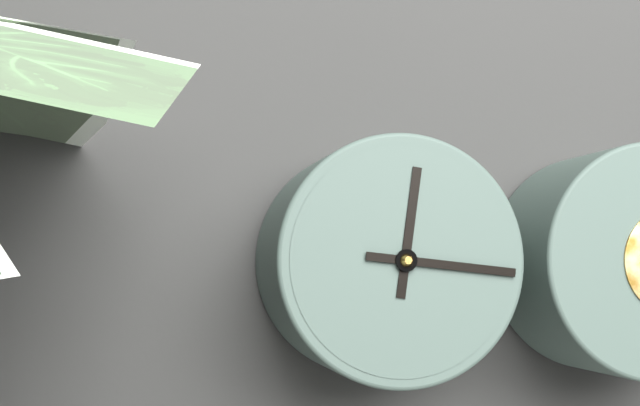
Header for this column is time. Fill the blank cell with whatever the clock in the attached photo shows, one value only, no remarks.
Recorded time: 12:16
